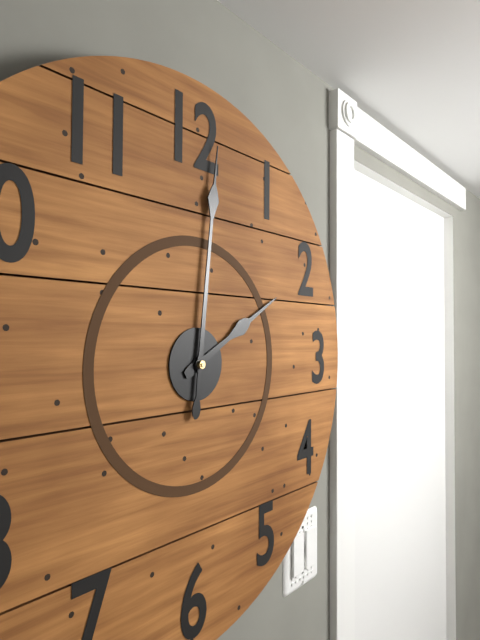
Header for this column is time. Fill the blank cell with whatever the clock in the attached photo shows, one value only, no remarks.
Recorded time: 2:01
